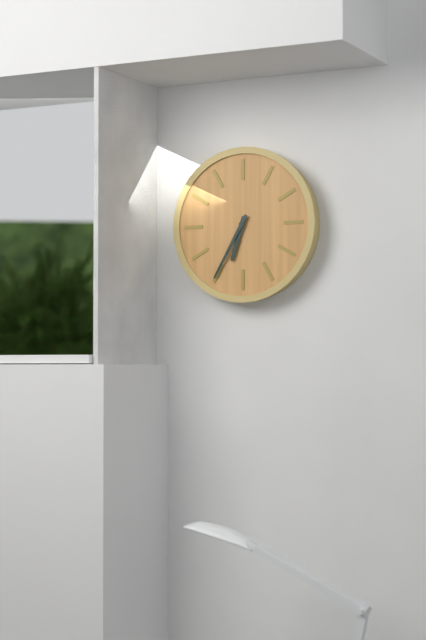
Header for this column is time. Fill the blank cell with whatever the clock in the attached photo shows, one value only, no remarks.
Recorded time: 6:35
